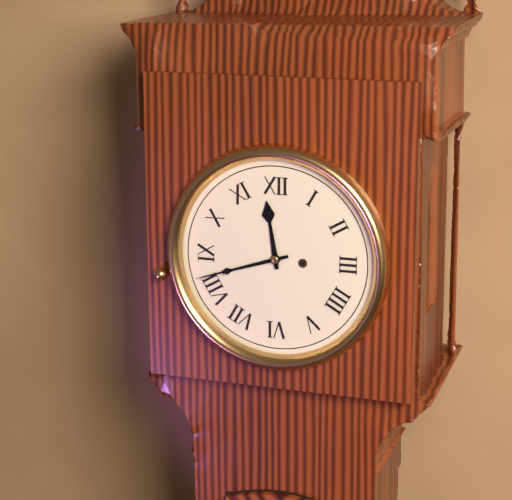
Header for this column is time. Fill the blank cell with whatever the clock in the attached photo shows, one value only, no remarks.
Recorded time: 11:42
